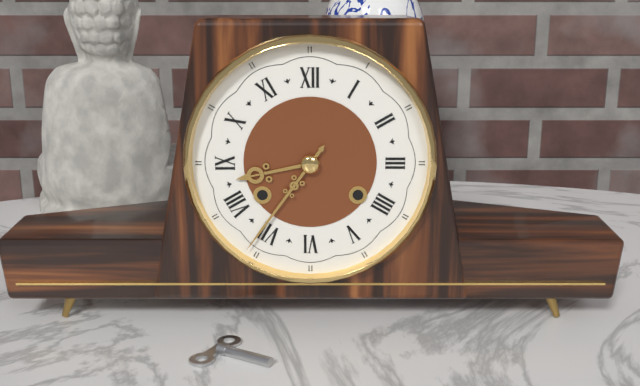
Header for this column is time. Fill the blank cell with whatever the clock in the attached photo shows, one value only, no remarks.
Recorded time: 8:36
